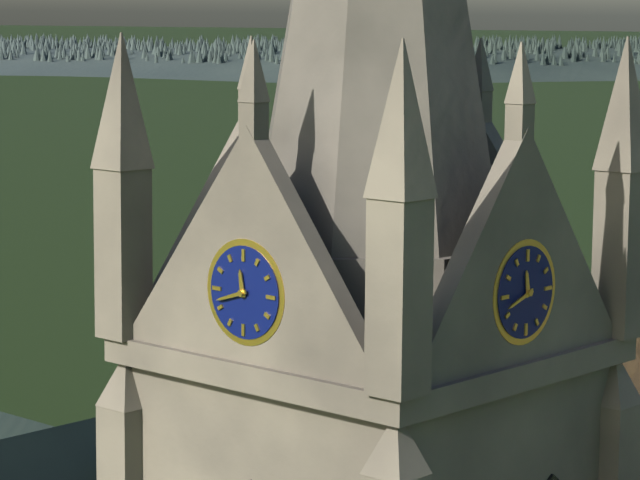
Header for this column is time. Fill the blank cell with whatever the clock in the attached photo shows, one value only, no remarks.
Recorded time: 11:42
